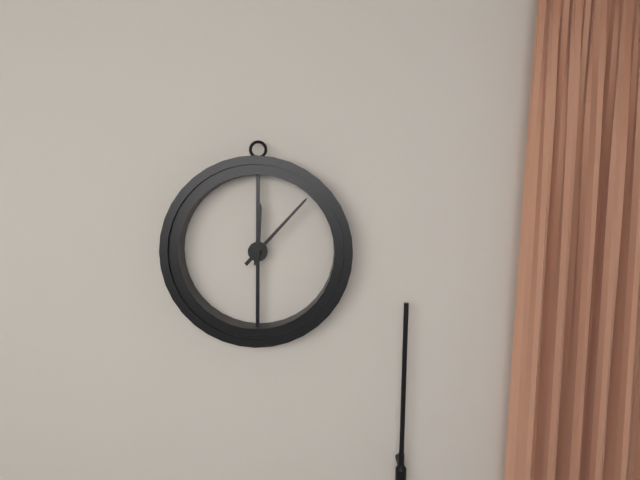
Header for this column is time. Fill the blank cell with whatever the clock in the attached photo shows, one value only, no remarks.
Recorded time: 12:07
